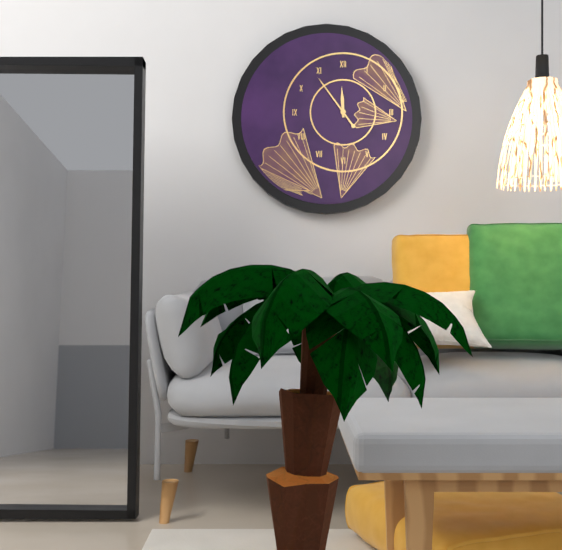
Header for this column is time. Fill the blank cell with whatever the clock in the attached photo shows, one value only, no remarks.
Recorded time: 11:54
